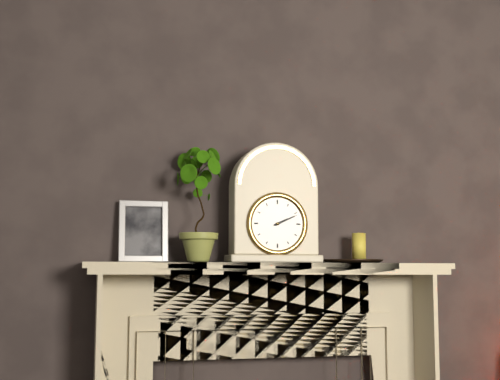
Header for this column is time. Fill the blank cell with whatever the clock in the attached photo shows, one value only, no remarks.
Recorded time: 2:11
